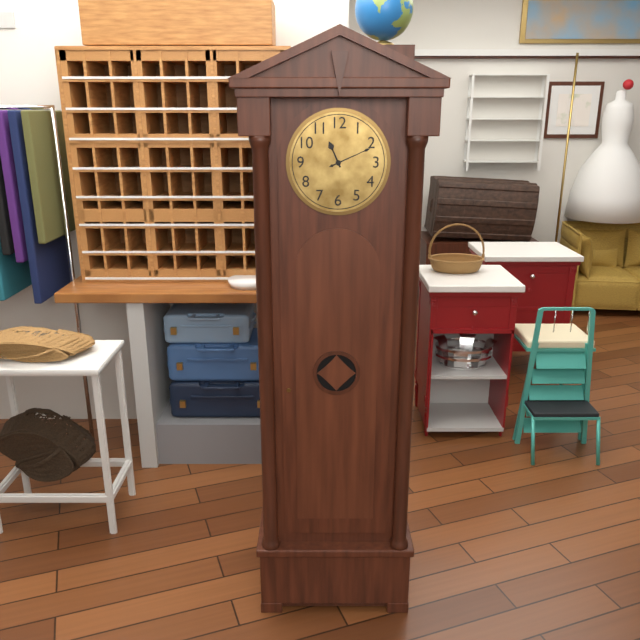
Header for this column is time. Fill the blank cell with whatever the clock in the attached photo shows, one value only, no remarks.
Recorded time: 11:11
